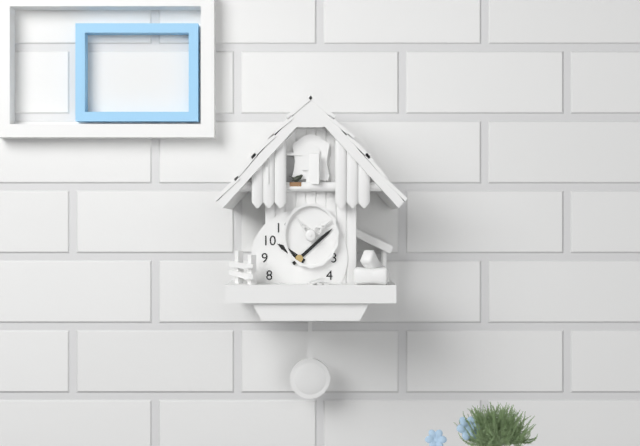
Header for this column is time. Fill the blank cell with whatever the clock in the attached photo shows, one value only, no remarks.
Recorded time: 10:08
